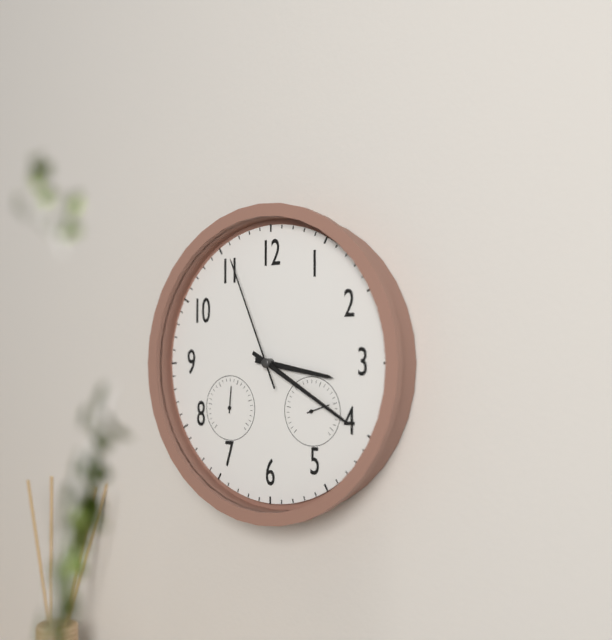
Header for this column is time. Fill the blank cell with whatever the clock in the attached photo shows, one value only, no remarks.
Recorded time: 3:20:56
